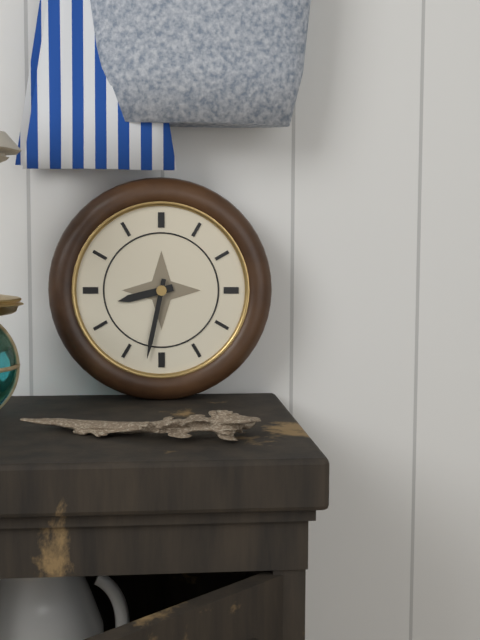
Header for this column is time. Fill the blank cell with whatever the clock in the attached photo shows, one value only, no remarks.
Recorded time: 8:32
